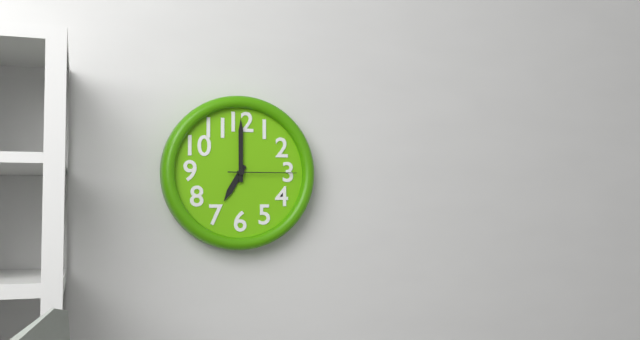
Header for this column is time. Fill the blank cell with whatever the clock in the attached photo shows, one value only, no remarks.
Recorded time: 7:00:15
